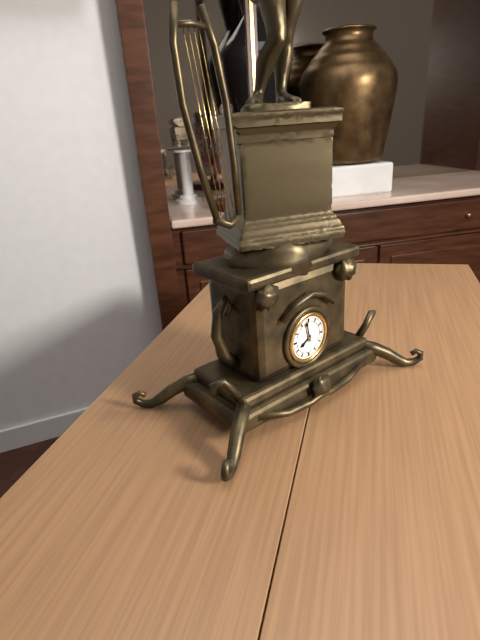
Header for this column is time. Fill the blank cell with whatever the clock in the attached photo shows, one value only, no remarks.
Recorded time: 7:58
